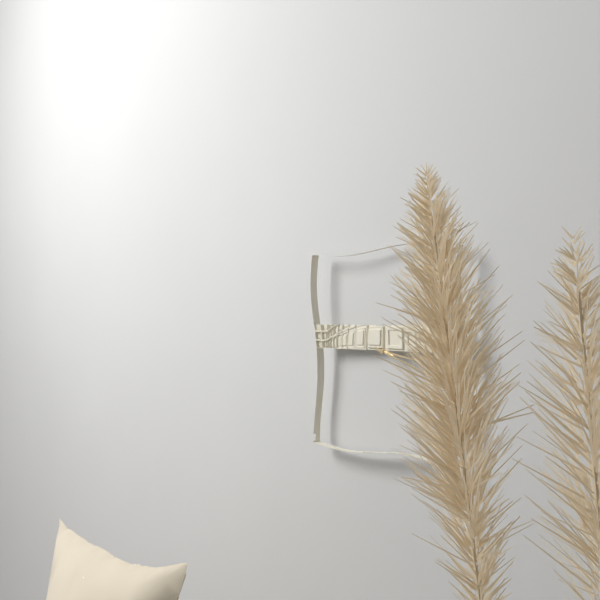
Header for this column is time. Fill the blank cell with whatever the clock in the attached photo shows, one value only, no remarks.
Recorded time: 3:18
